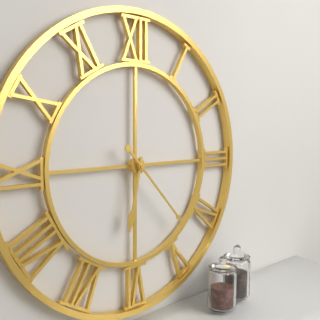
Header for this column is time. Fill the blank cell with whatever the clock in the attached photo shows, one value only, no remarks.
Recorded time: 6:23
